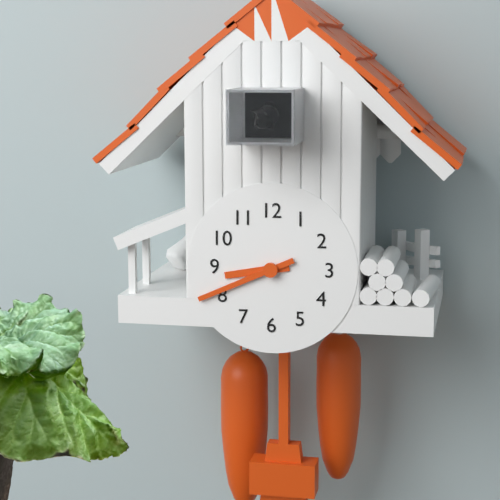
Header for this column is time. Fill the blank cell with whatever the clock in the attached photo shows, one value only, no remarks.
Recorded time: 8:41
